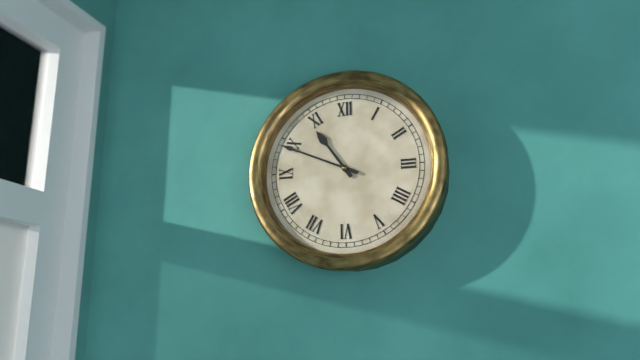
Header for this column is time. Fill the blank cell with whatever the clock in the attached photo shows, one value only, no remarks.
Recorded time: 10:49
